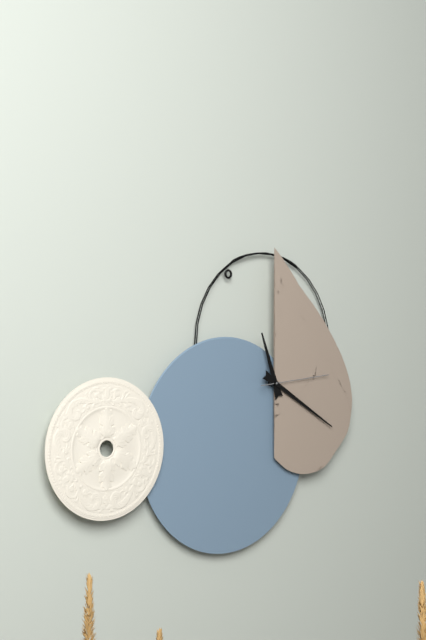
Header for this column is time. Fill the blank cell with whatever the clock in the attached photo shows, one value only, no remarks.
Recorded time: 11:20:14
